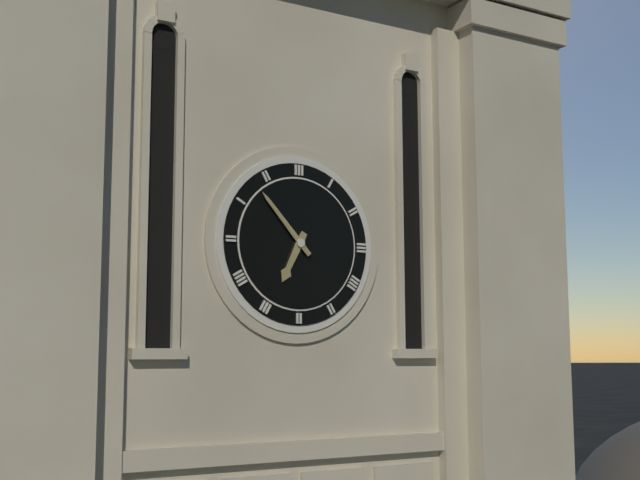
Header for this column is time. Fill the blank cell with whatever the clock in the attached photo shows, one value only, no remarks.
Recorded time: 6:53
